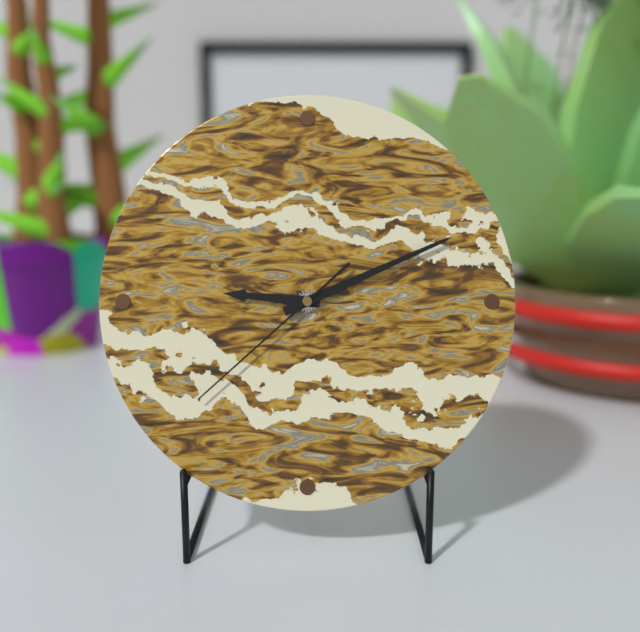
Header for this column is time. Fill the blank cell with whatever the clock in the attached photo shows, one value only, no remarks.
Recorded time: 9:11:38
